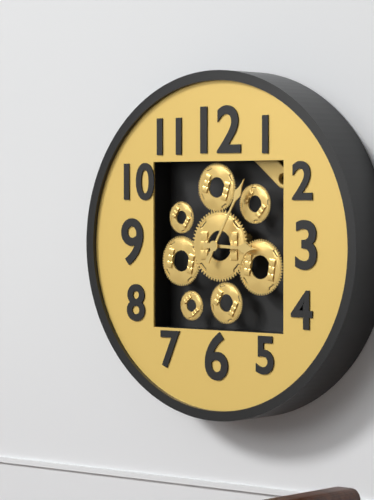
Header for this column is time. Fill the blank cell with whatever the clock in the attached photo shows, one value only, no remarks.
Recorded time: 3:05
